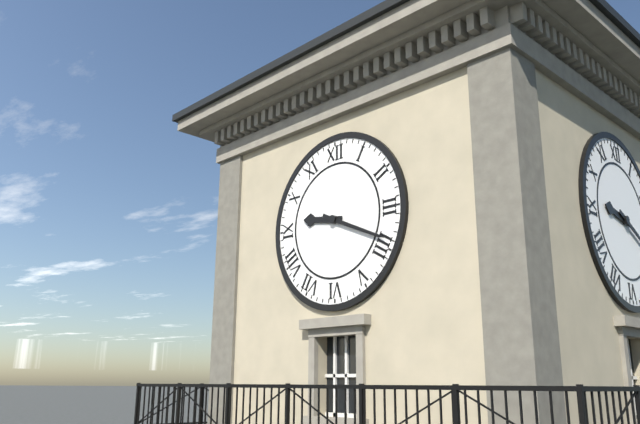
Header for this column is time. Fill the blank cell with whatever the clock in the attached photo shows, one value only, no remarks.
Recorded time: 9:19
